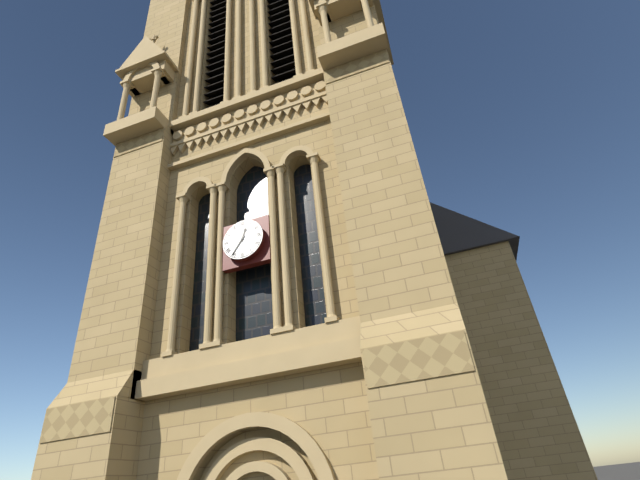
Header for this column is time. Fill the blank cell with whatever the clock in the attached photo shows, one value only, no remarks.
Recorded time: 12:36
